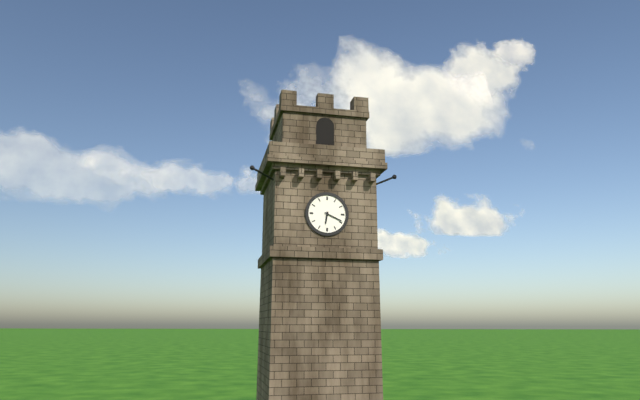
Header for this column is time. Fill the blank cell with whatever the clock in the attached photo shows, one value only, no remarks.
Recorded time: 6:19
